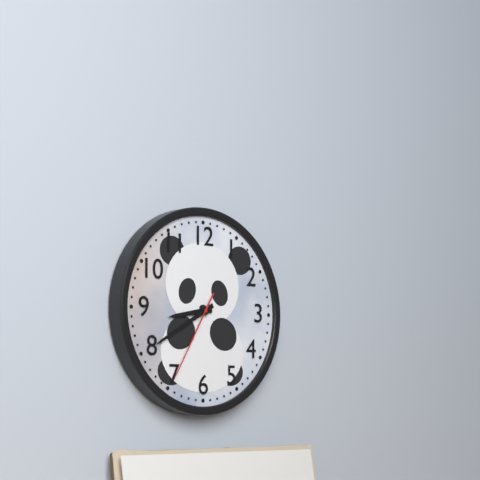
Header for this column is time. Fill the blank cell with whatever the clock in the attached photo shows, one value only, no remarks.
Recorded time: 8:40:35
